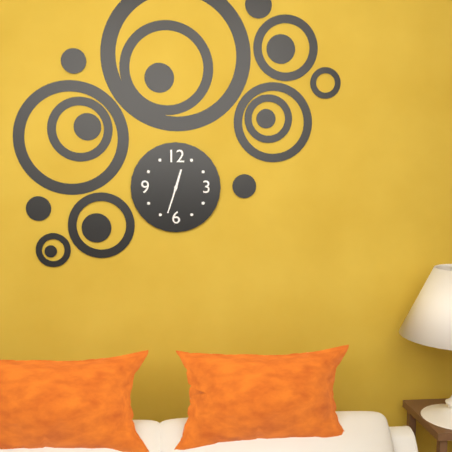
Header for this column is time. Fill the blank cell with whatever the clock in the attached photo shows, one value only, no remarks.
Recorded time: 12:33
